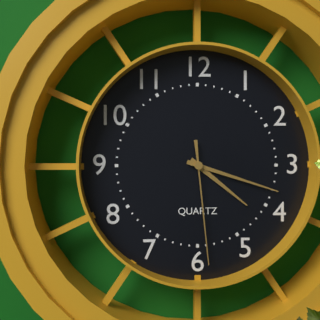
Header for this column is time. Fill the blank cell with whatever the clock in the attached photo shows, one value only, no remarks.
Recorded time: 4:18:29
